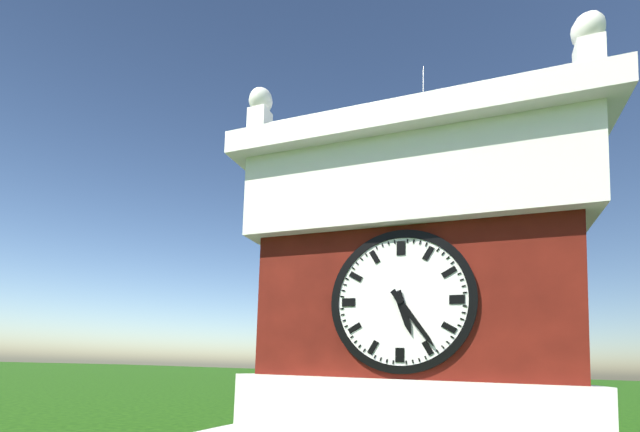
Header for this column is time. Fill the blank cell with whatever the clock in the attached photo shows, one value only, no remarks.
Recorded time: 5:24
